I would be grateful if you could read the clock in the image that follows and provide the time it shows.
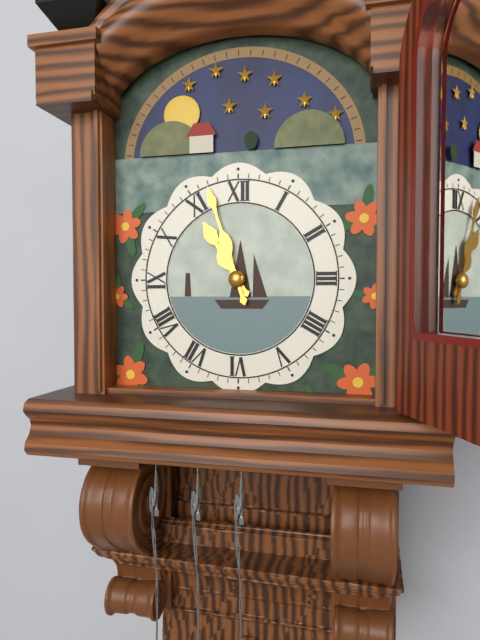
10:57
